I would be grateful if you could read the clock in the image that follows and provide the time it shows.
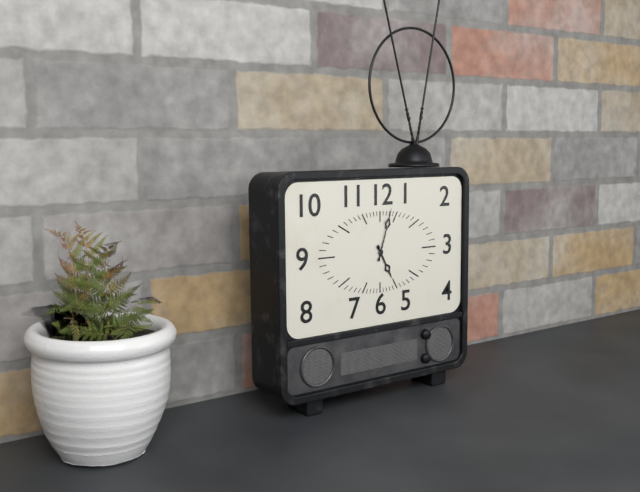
5:03
